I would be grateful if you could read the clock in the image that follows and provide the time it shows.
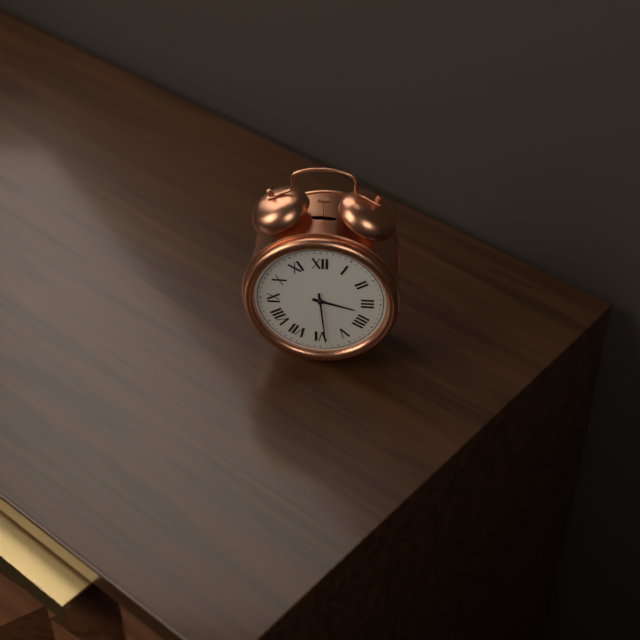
3:29
